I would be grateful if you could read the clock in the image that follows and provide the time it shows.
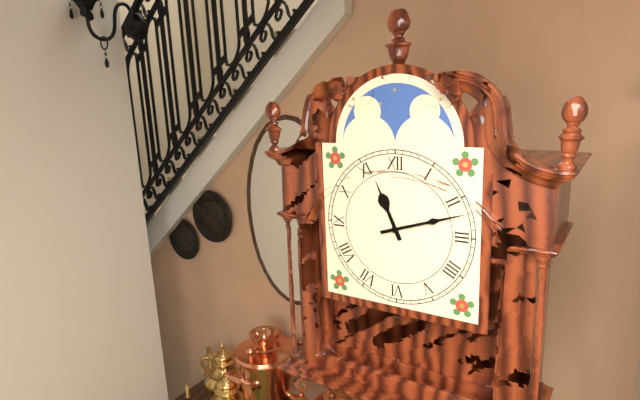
11:12
